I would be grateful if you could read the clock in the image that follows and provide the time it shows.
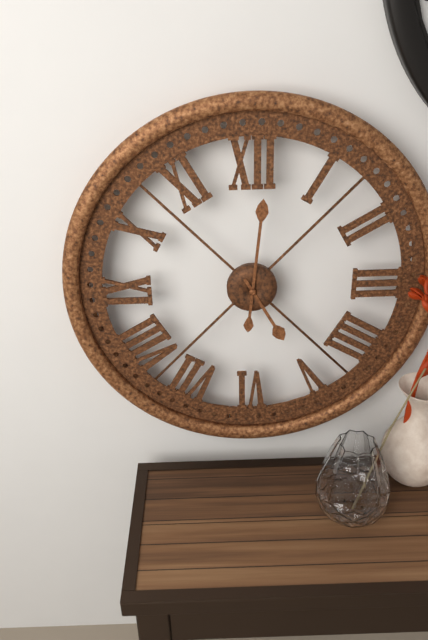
5:01
